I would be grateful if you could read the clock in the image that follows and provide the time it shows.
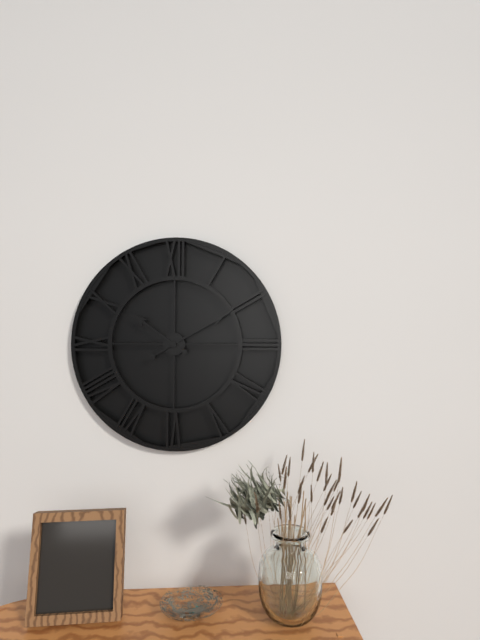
10:10
